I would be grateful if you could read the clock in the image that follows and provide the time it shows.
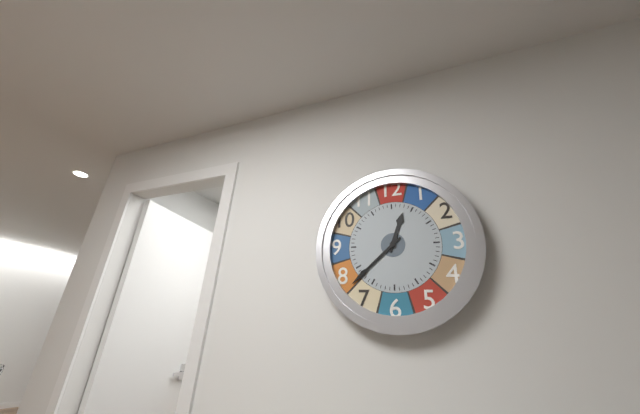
12:38
